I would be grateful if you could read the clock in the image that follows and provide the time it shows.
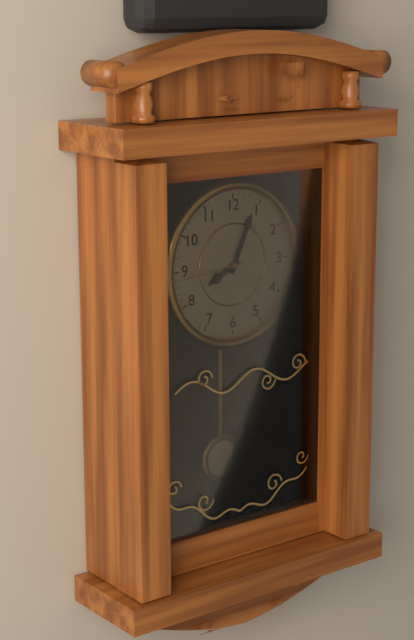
8:04:44
